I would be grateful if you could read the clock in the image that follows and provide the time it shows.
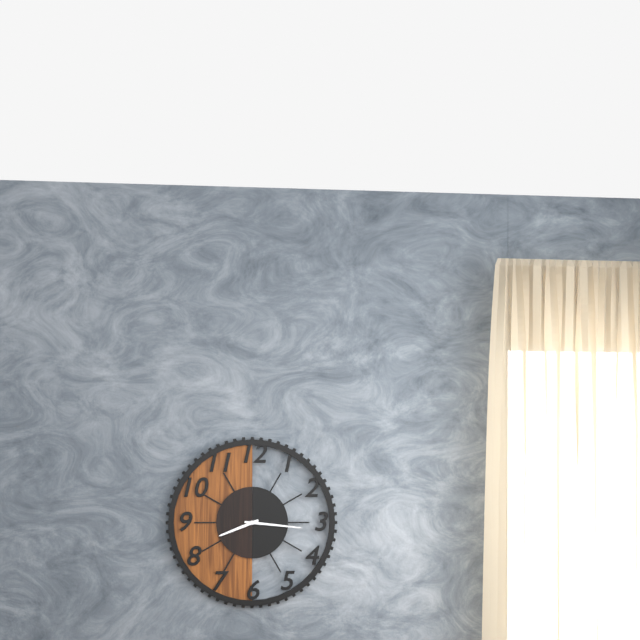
8:16
